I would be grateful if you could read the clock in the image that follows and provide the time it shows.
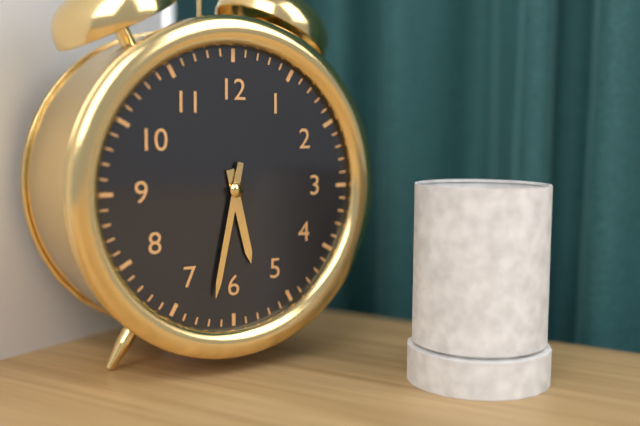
5:32
